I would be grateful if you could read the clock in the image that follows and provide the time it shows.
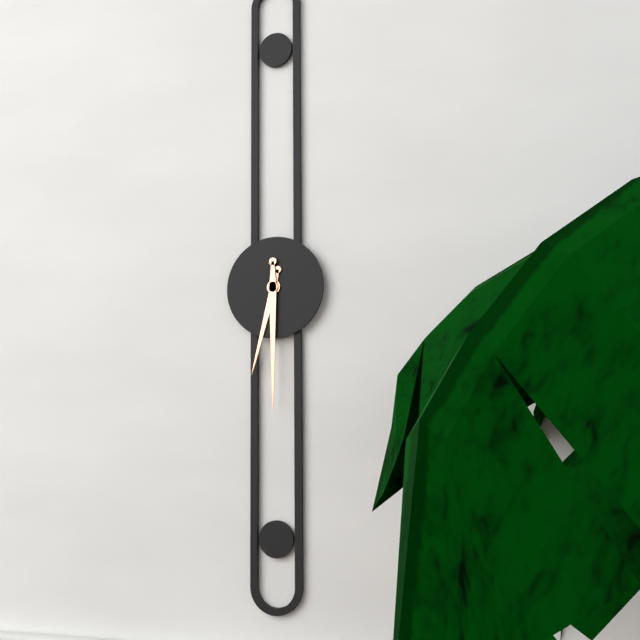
6:30
